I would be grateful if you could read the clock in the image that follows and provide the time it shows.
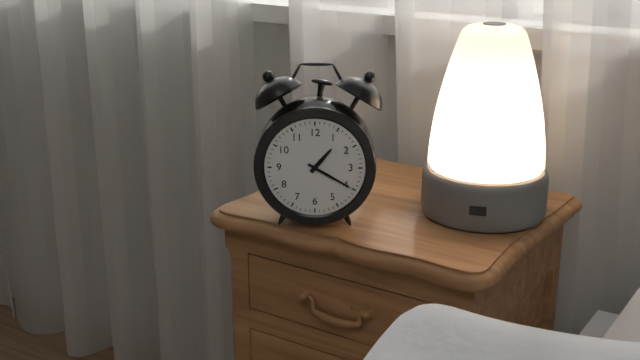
1:20
